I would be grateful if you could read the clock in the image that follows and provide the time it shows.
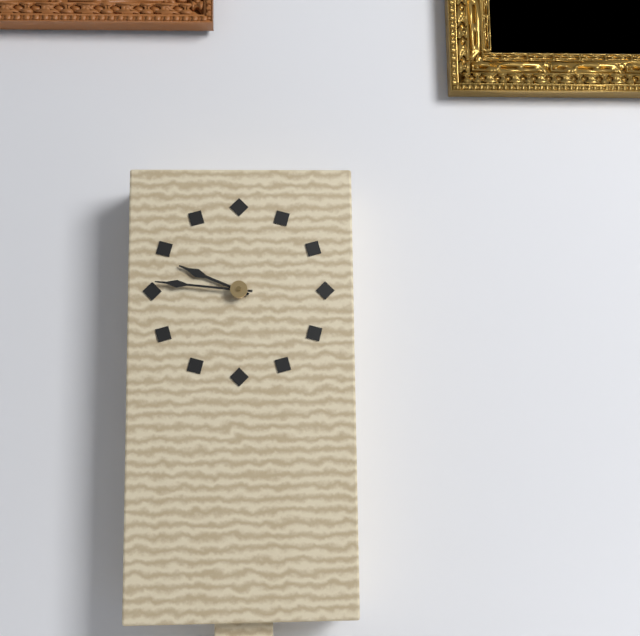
9:46
